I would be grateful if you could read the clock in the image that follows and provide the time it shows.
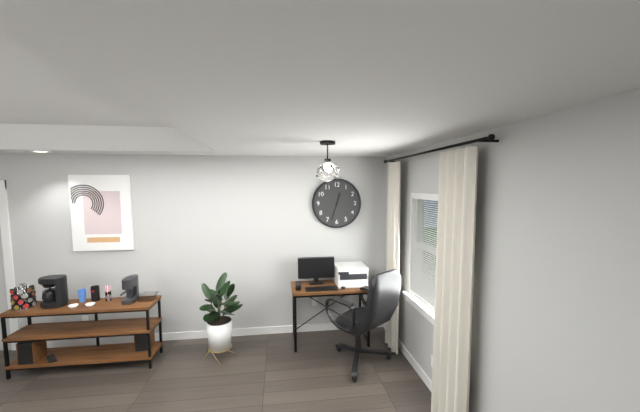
12:33
